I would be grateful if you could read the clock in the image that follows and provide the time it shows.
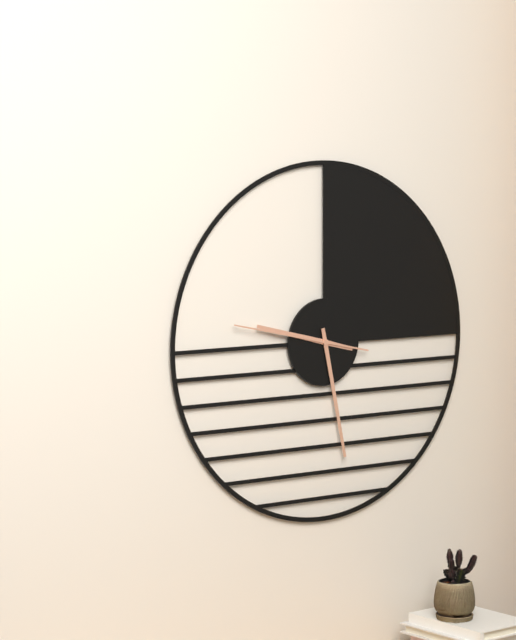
9:28:47
